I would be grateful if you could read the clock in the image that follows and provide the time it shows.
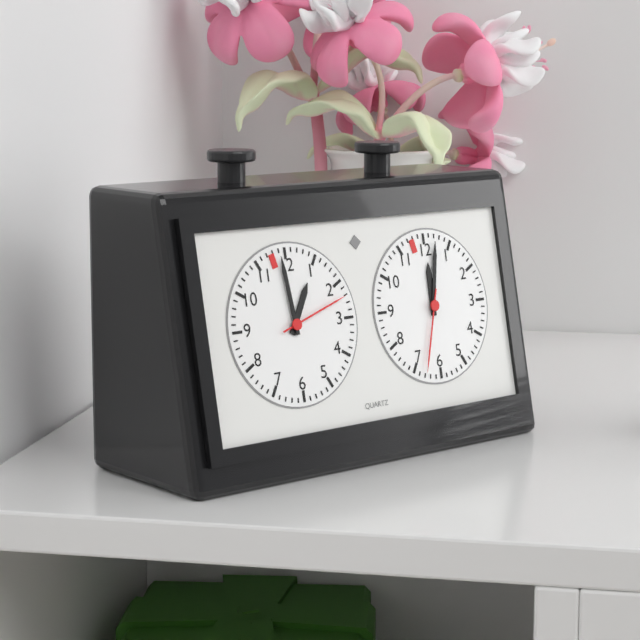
12:59:12
